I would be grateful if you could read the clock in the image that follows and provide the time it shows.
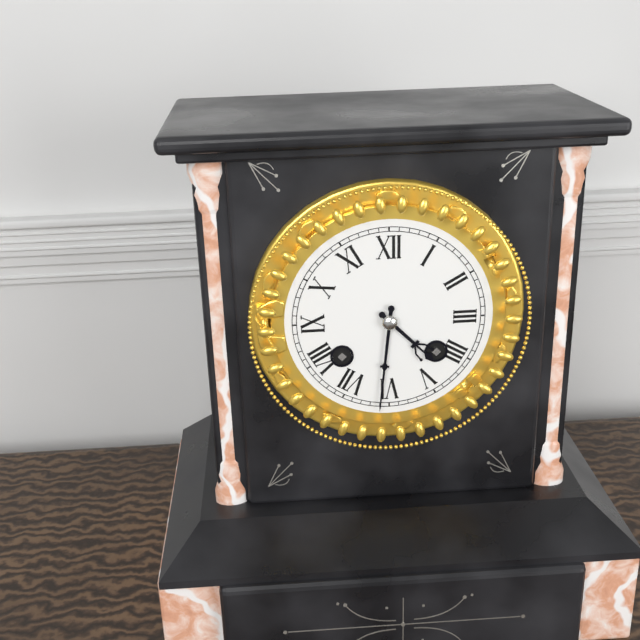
4:31
